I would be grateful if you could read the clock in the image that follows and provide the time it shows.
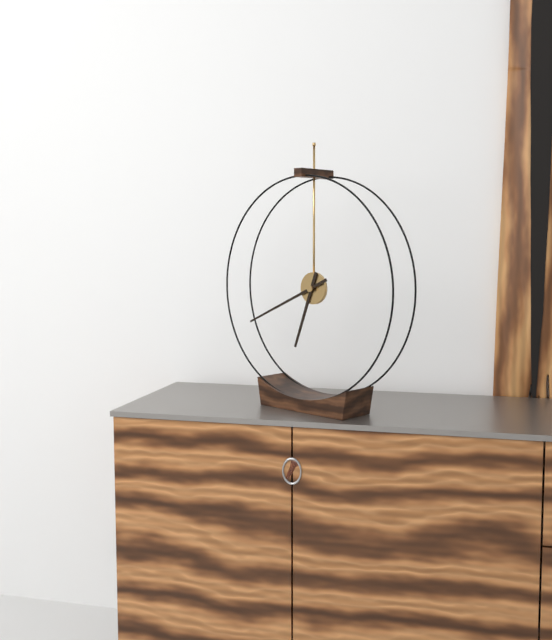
6:41
